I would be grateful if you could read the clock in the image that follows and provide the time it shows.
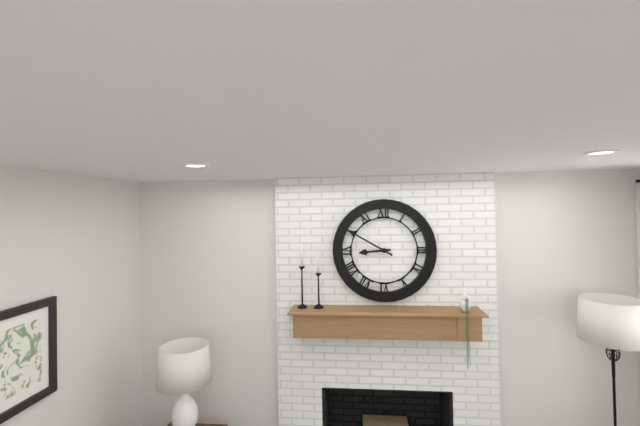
8:50
